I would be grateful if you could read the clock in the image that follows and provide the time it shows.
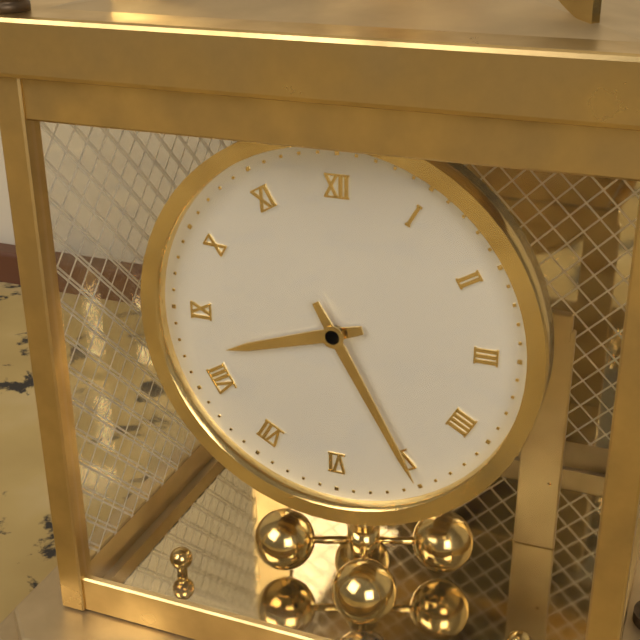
8:25
